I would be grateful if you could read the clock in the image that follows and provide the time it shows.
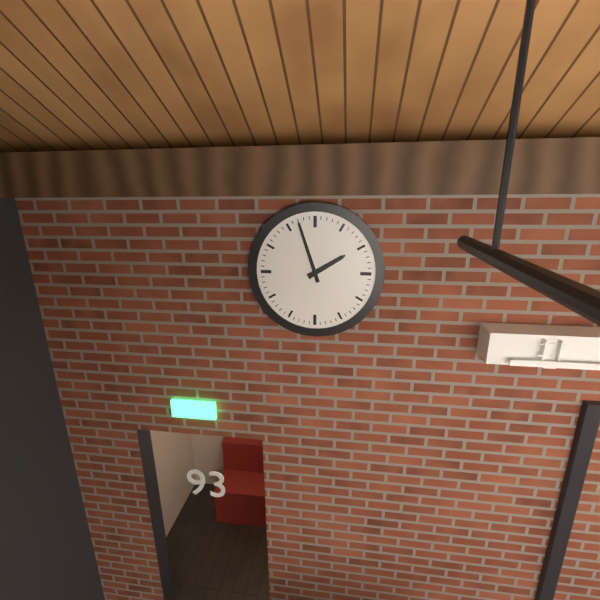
1:57
